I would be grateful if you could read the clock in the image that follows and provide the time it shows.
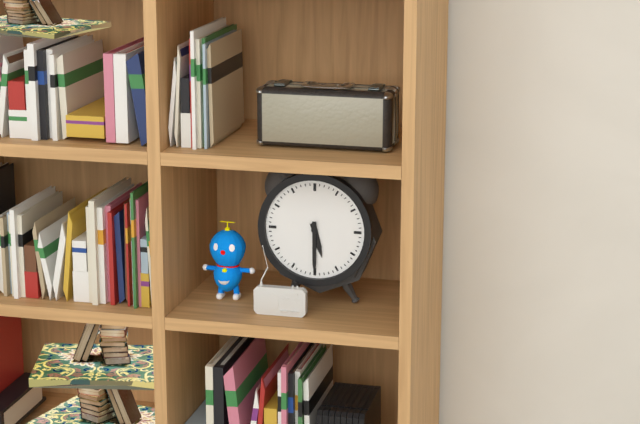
5:30
